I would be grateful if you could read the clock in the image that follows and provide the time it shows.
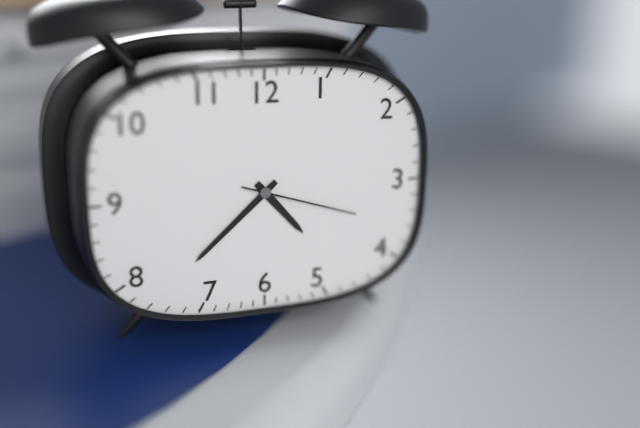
4:38:18
